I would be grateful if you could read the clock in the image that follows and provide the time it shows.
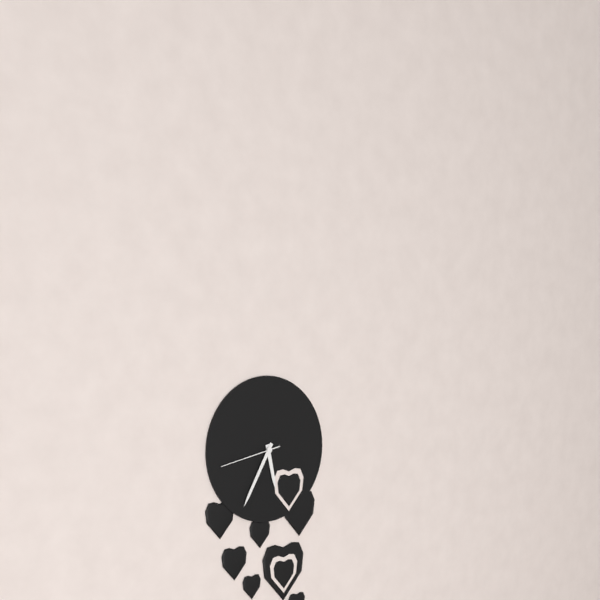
5:35:43
